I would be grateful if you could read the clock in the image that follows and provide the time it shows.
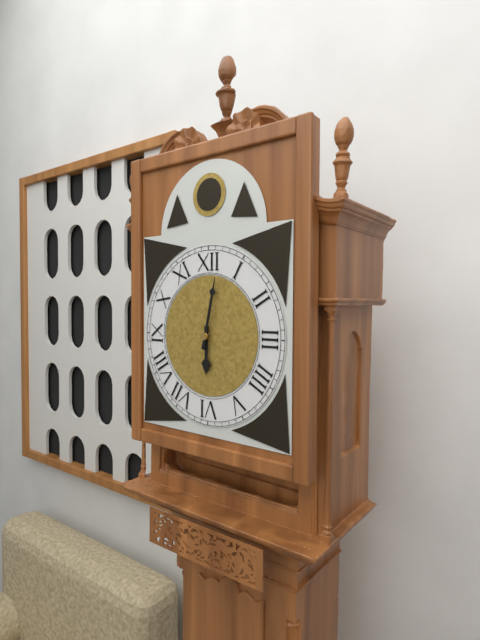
6:02
